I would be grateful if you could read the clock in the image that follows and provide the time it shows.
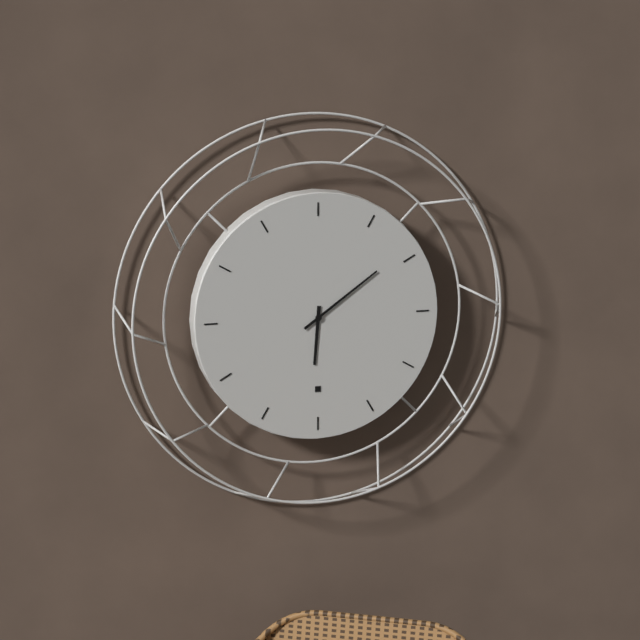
6:09
